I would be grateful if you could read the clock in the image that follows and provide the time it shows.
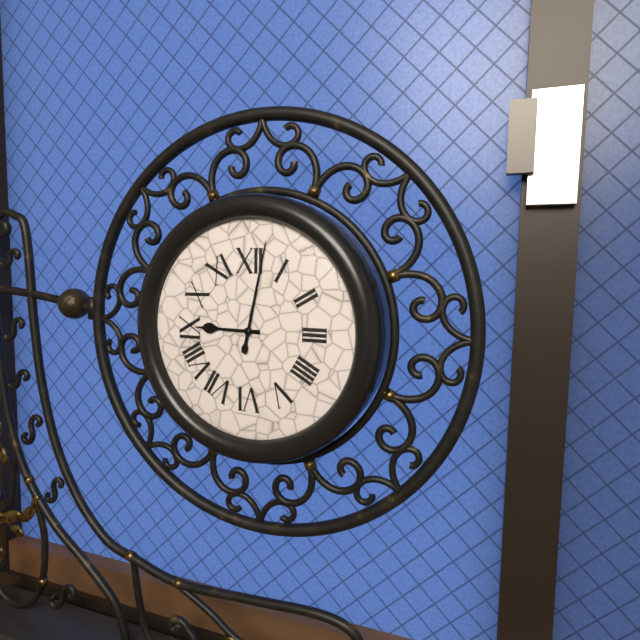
9:02
